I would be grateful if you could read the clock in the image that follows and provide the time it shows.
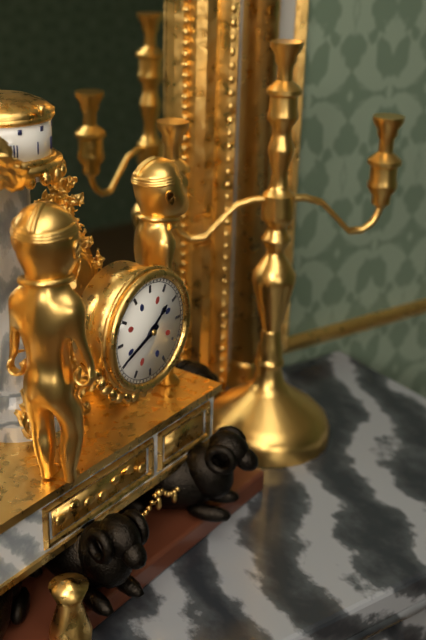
1:41
